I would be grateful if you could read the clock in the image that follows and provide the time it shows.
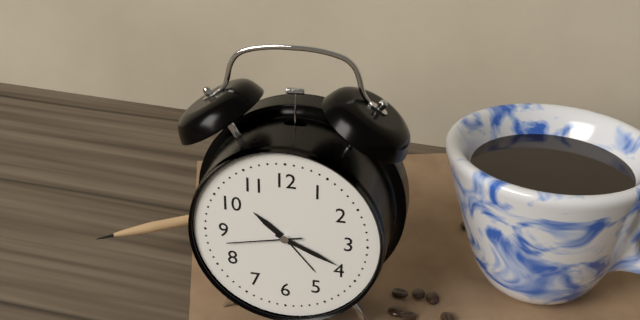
10:19:43
